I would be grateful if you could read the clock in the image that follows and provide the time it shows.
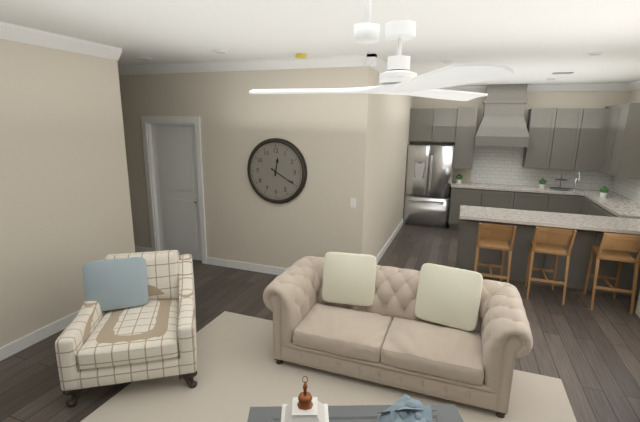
12:20
